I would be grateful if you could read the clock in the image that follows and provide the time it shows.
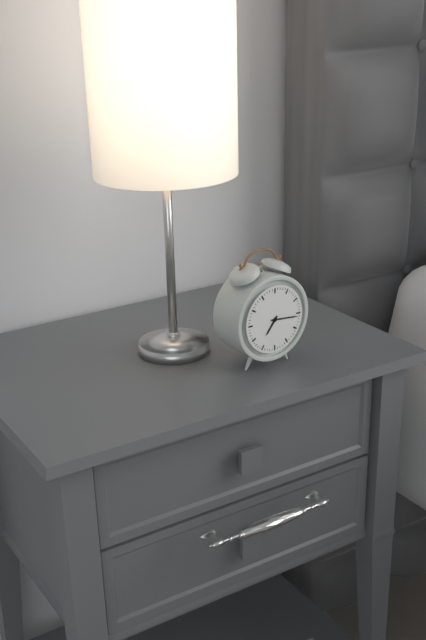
7:16
